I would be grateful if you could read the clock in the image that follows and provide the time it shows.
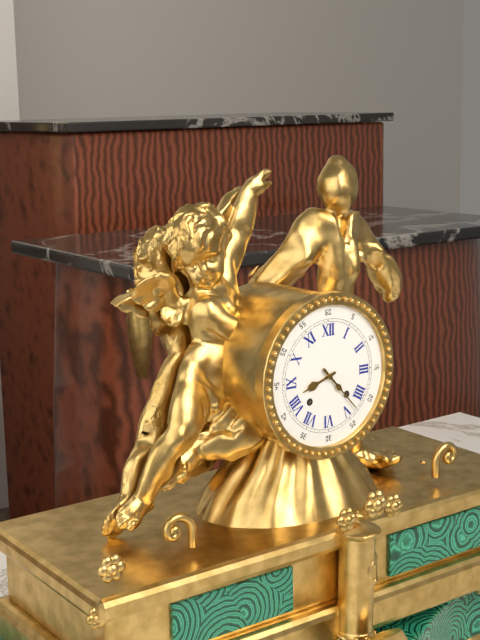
8:23
